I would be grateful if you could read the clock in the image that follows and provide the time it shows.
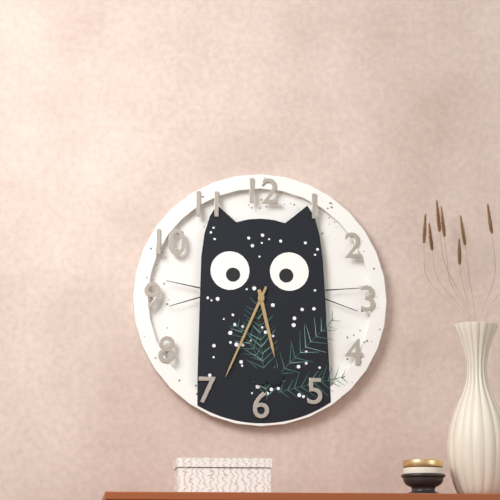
5:34
